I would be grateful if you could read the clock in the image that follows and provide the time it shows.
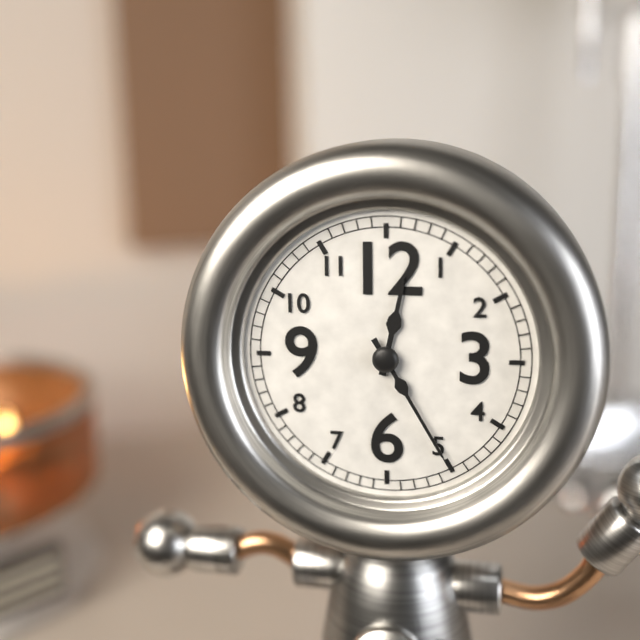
12:25
